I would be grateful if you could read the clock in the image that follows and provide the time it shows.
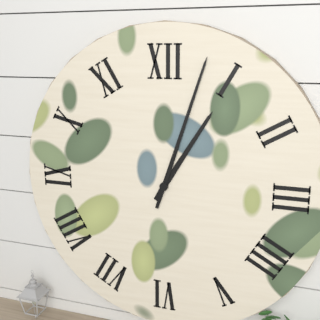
1:03
